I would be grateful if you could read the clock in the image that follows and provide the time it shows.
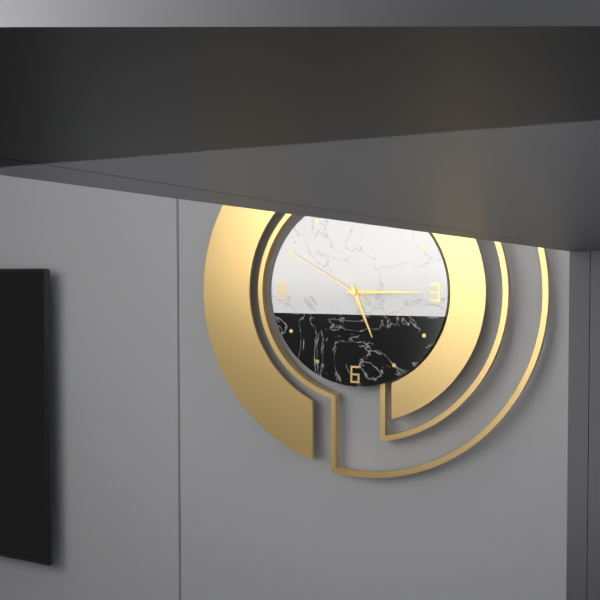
5:15:50
